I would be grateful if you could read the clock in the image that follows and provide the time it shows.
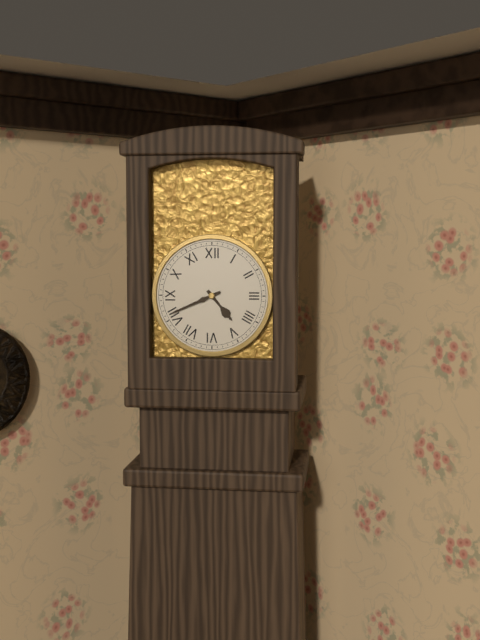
4:41
